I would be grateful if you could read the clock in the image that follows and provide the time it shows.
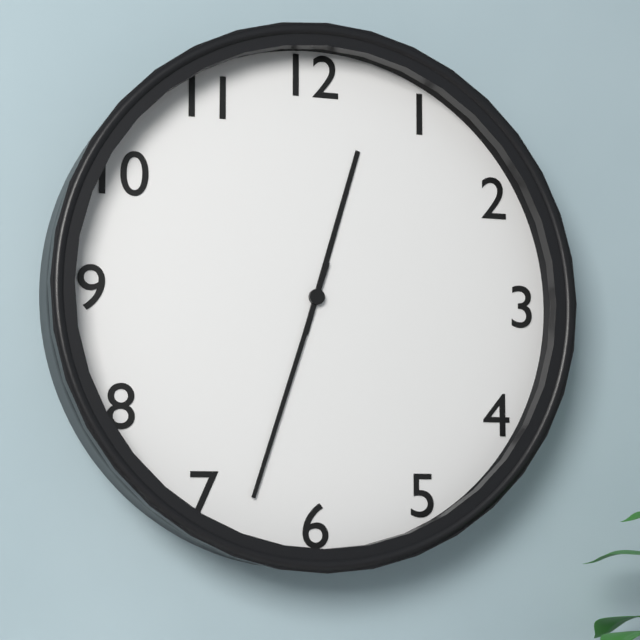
12:33
